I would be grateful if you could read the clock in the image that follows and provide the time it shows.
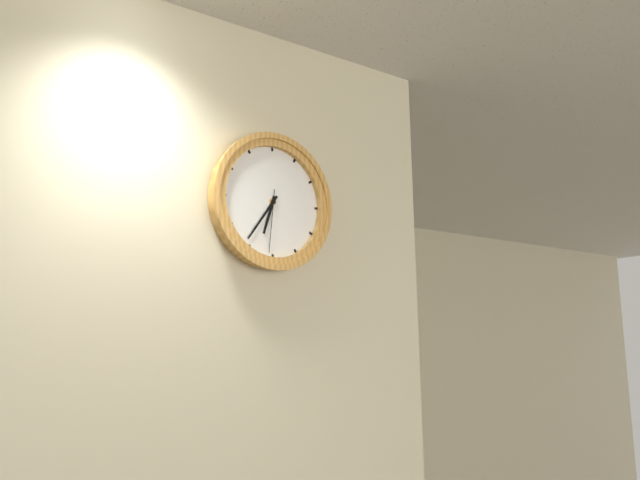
6:36:31
